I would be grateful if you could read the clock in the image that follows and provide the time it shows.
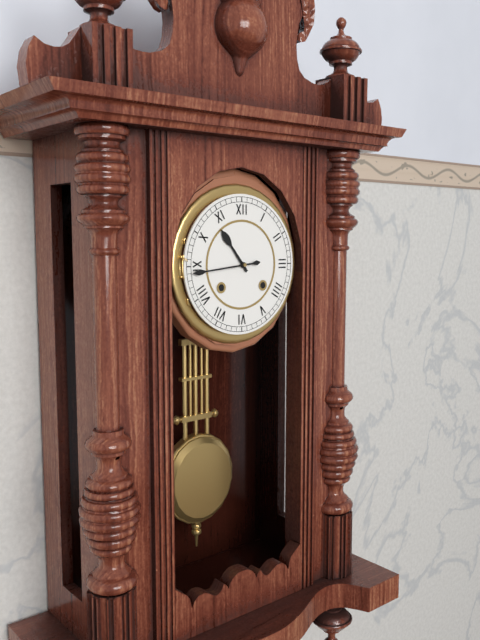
10:44
